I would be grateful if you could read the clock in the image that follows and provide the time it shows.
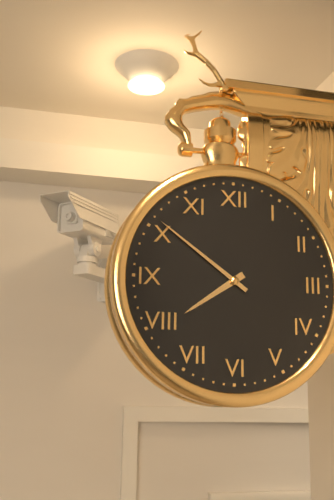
7:51
